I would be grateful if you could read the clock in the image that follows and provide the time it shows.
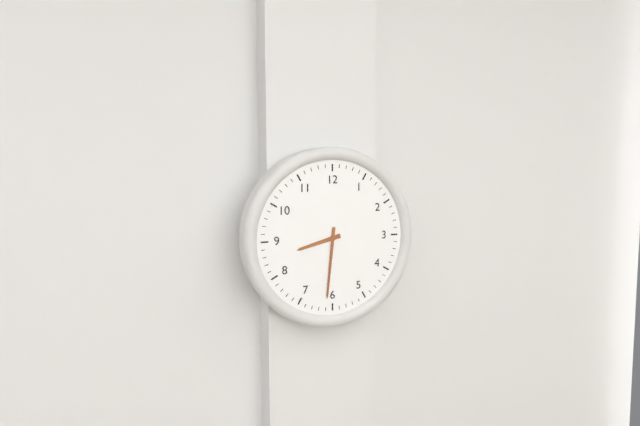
8:31
